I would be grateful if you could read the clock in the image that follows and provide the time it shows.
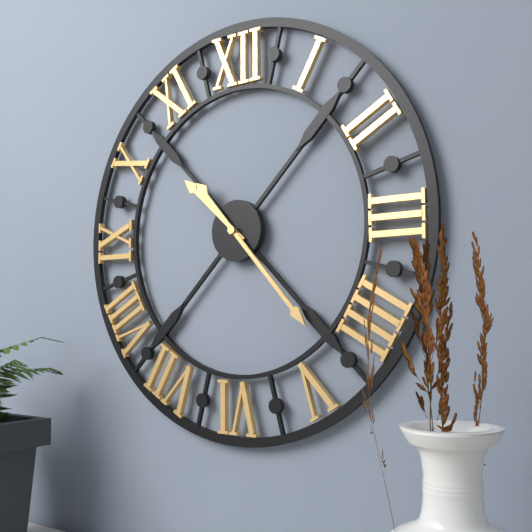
10:23
